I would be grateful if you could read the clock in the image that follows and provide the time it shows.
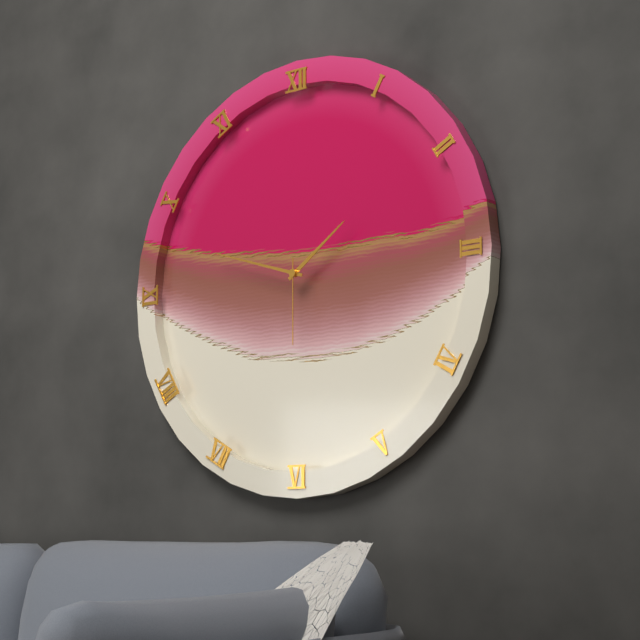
1:48:30
